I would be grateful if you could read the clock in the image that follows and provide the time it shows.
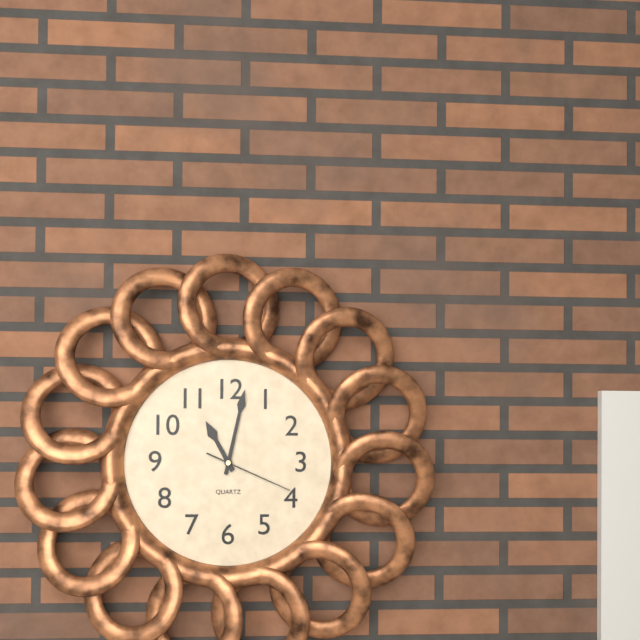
11:02:19
